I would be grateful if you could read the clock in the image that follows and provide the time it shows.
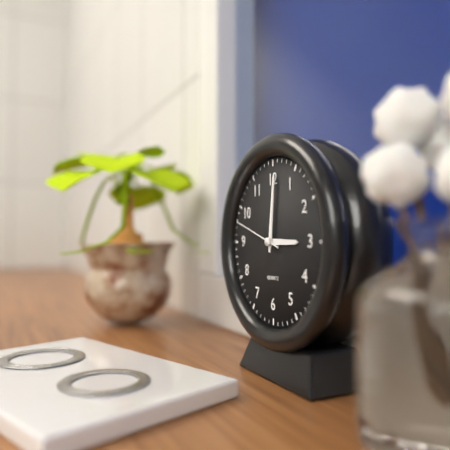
3:01
